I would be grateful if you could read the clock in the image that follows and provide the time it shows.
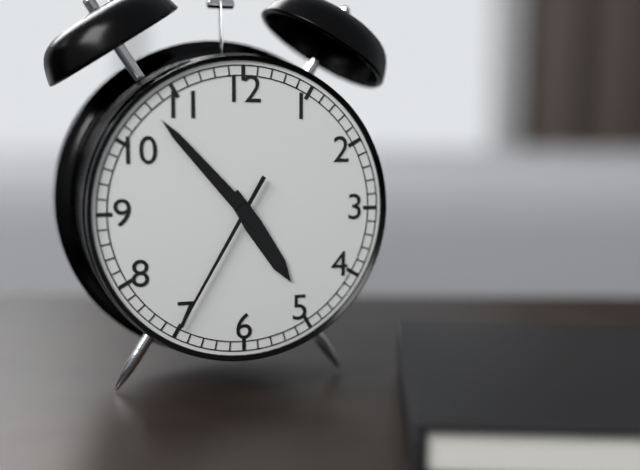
4:53:35
